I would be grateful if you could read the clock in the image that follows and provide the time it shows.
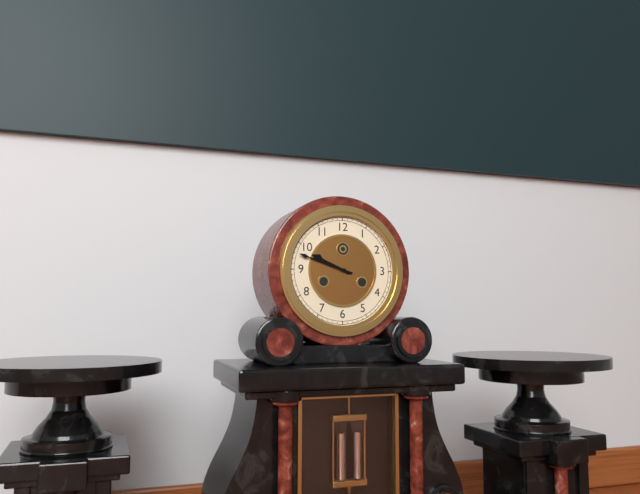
9:48
